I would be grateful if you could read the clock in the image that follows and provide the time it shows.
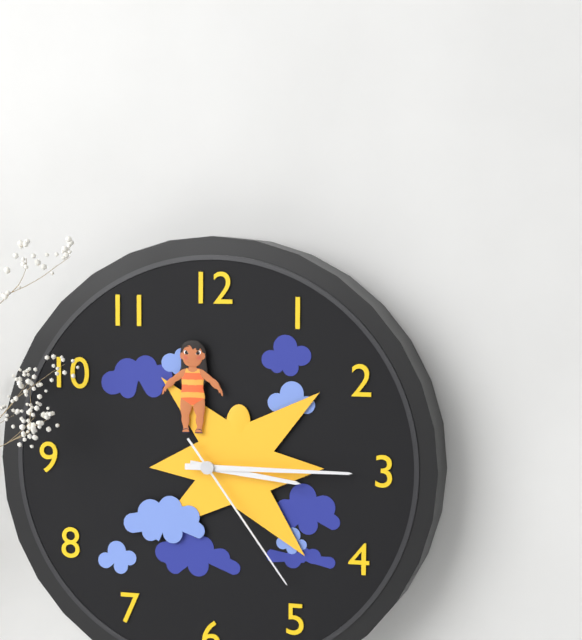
3:15:24
